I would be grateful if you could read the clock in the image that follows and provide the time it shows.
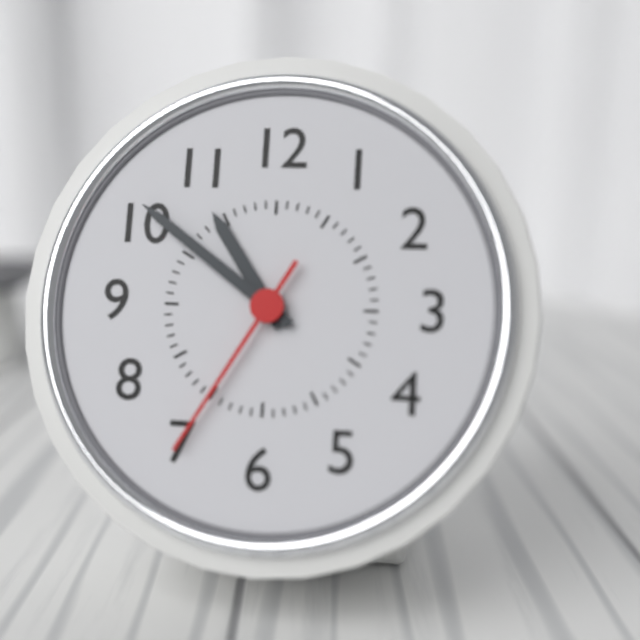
10:51:35
